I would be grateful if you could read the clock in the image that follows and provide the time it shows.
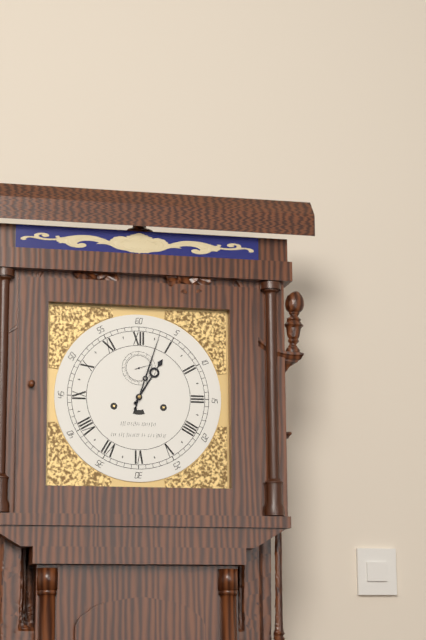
1:03
